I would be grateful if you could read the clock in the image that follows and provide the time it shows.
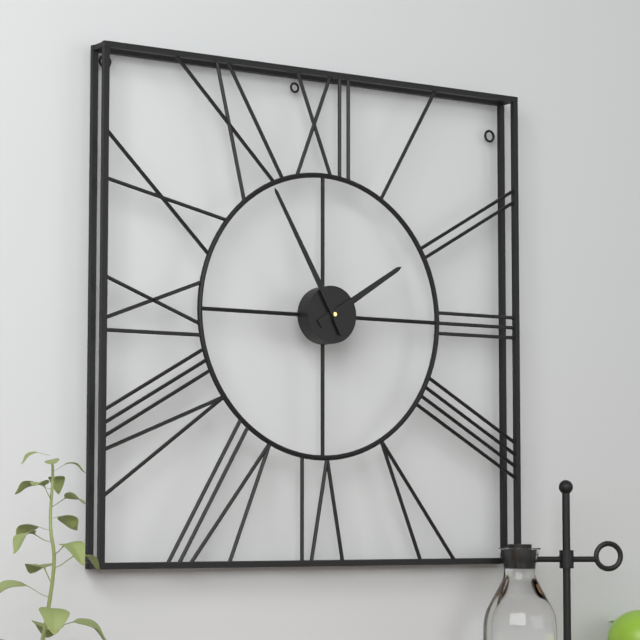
1:55
